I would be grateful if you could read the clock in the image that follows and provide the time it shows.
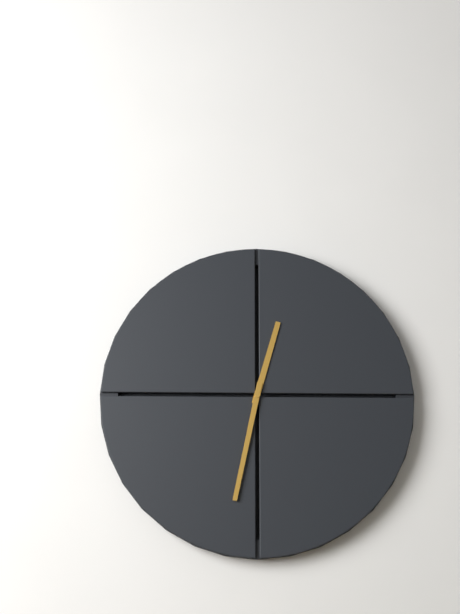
12:32
